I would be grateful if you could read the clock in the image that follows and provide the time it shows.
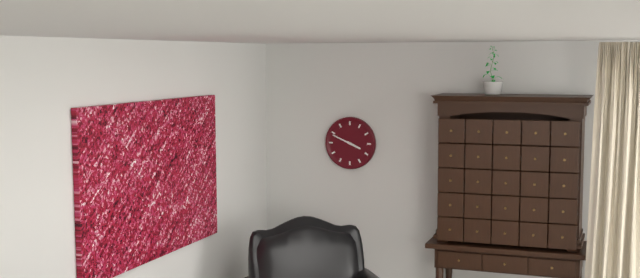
3:49
